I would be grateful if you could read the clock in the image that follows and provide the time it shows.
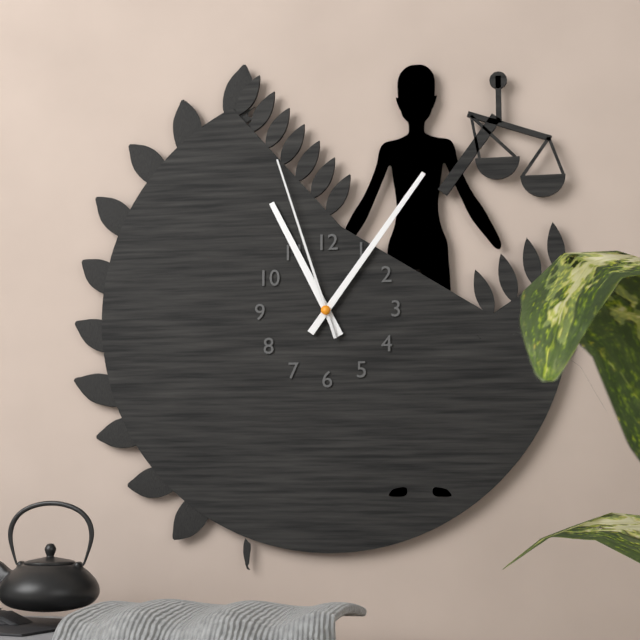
11:06:57
